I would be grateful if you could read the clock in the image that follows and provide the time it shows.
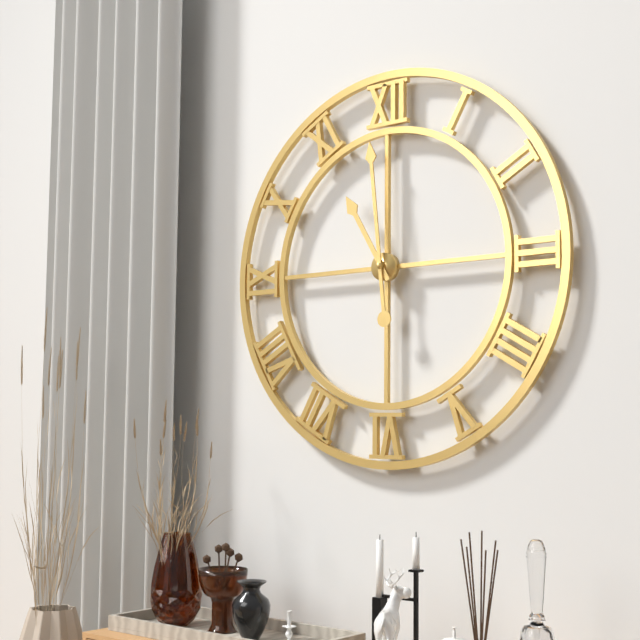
10:59
